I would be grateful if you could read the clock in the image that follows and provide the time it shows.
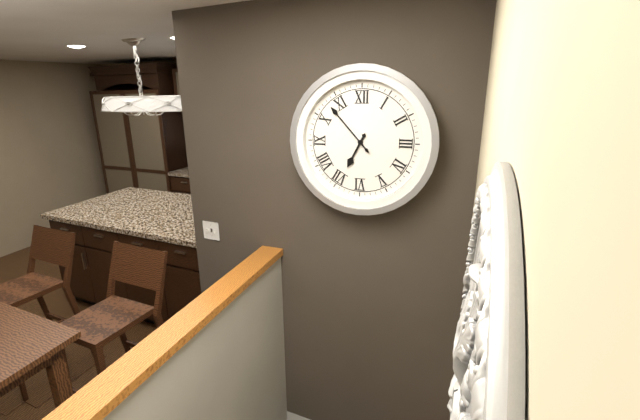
6:53
